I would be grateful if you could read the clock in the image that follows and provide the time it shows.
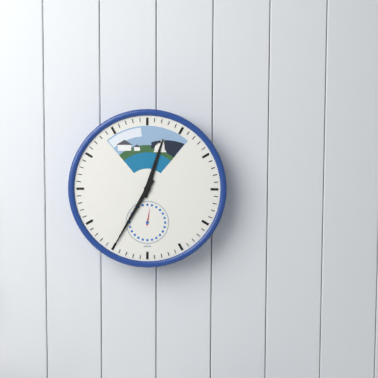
12:35
